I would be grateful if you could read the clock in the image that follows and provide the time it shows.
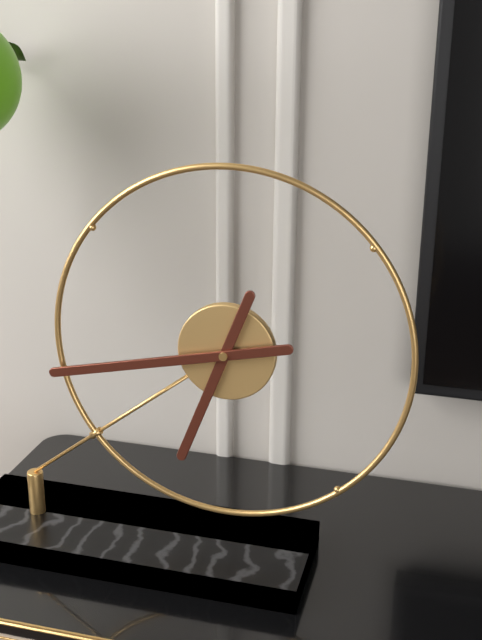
6:43
